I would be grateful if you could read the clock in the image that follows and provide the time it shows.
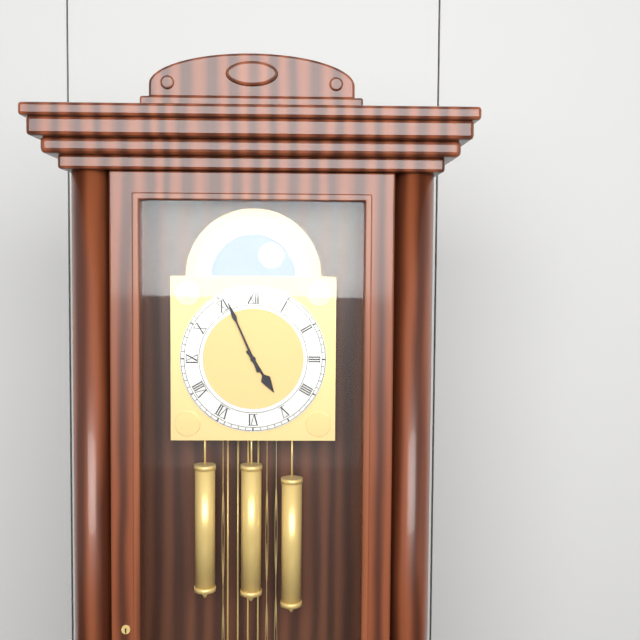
4:56
